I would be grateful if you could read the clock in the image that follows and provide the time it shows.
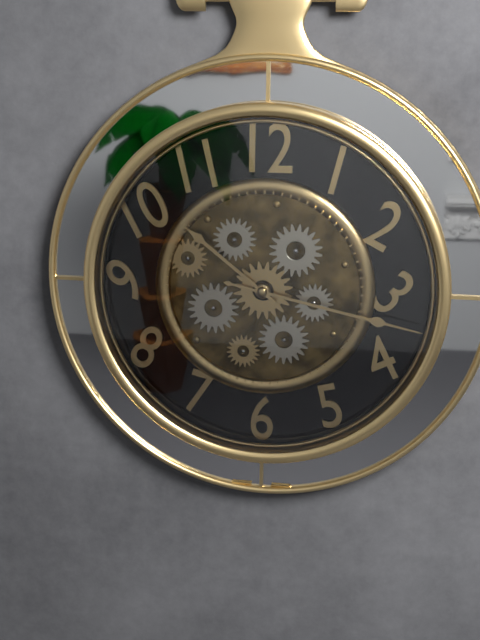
10:17
